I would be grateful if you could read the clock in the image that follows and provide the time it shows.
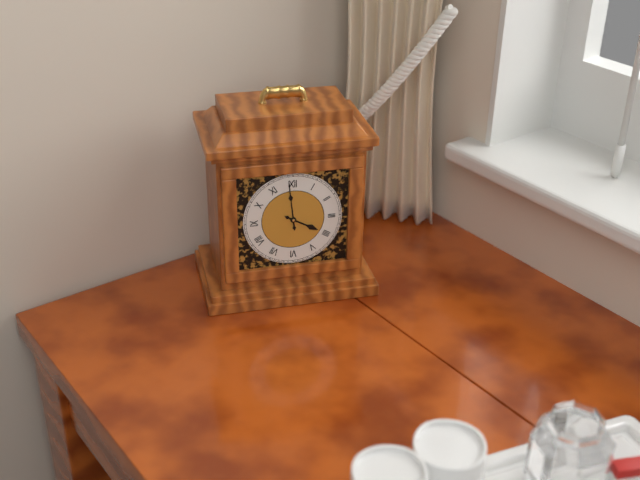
3:59
